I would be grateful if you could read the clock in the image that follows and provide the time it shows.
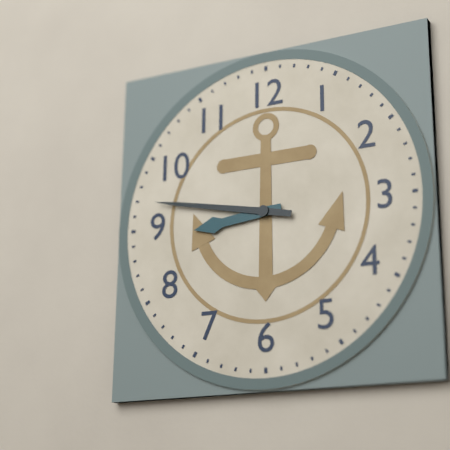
8:47
